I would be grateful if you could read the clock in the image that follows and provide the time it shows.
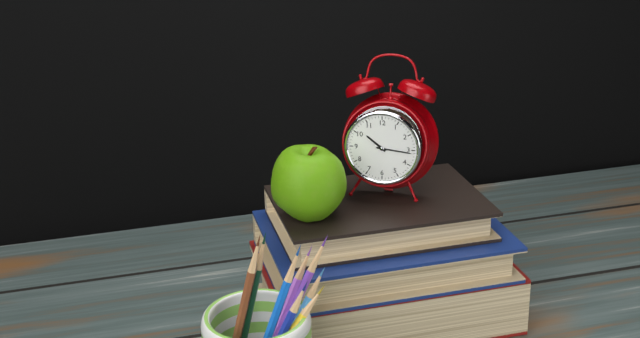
10:16
